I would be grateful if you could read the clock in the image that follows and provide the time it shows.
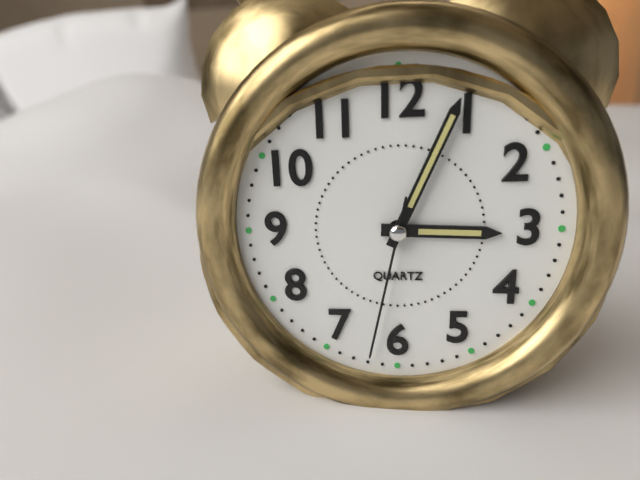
3:04:32
